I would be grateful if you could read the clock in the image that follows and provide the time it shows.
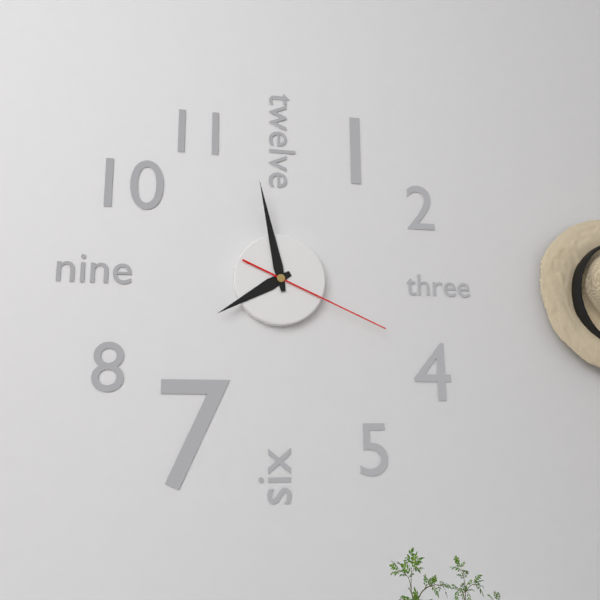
7:58:19
